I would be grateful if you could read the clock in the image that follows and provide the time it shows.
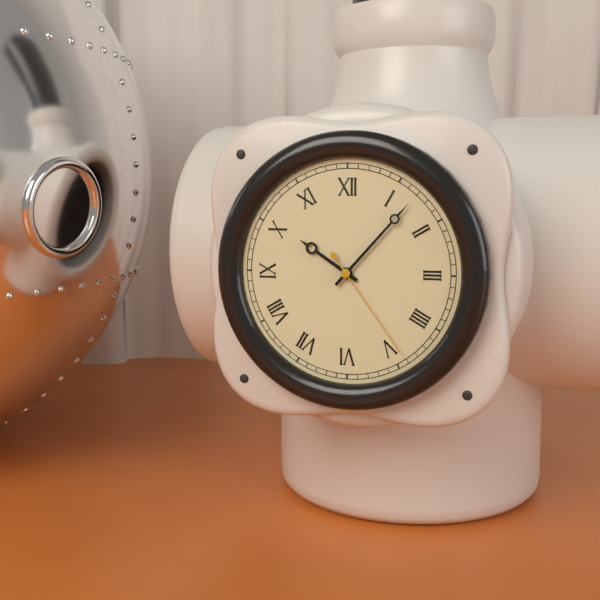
10:07:24
